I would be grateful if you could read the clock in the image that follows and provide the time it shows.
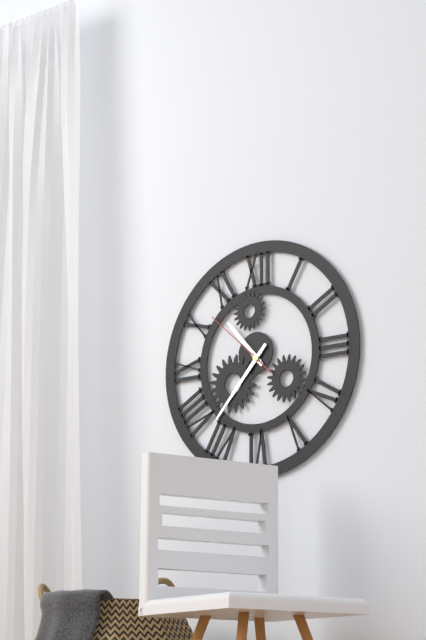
10:37:52
